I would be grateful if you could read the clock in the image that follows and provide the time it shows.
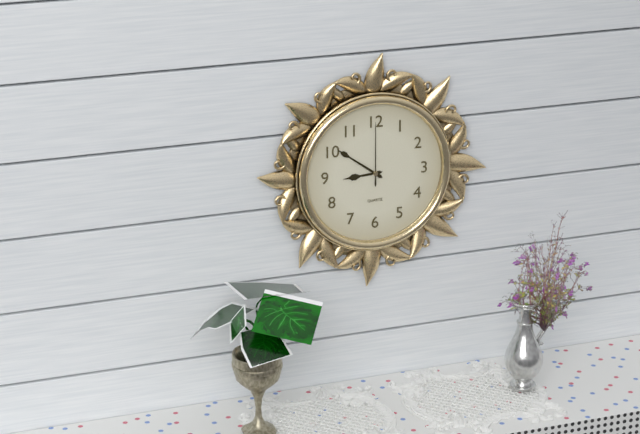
8:51:00
